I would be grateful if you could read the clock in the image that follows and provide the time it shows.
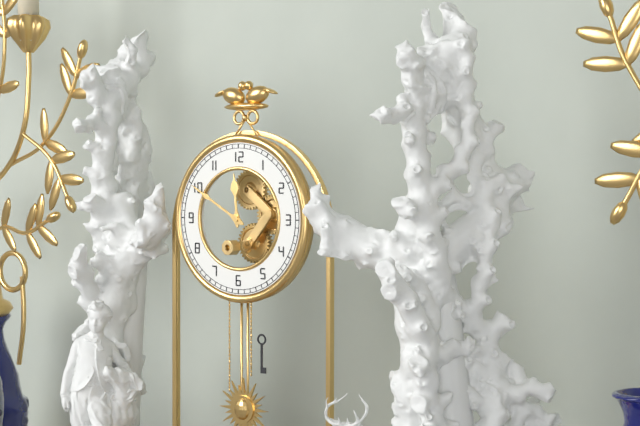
11:50
